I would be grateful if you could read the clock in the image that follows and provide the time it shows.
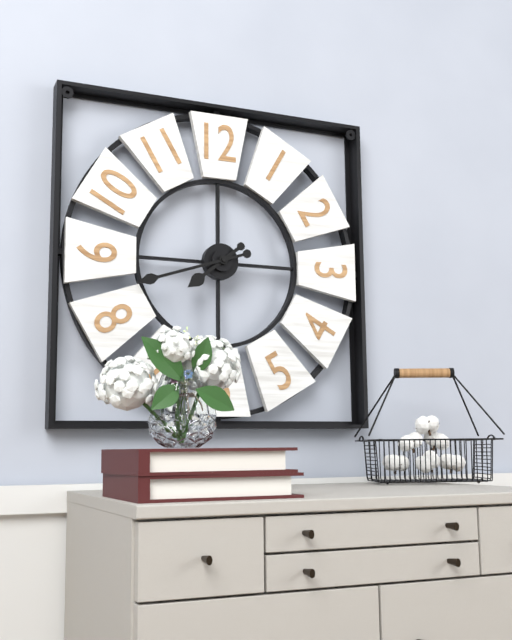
7:42
